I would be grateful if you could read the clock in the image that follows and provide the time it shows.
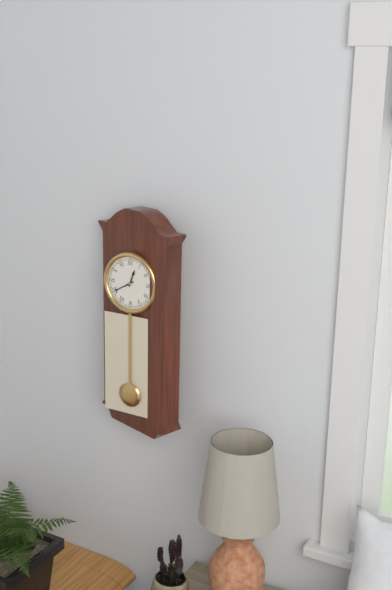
12:40
